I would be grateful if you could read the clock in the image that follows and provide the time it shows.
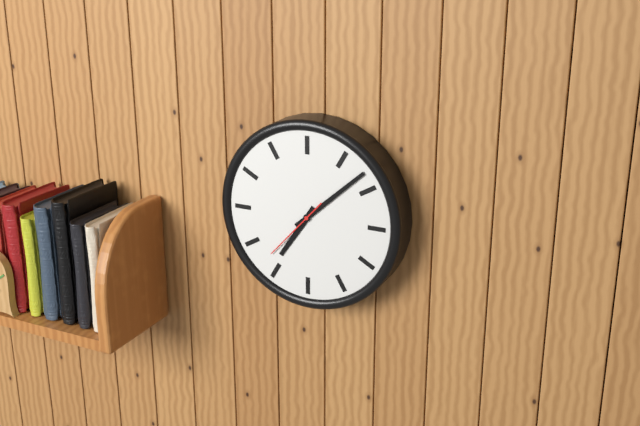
7:08:37
